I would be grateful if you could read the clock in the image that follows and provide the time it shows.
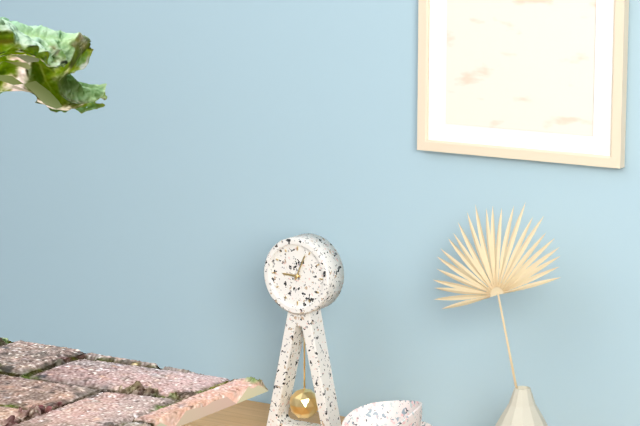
9:04
